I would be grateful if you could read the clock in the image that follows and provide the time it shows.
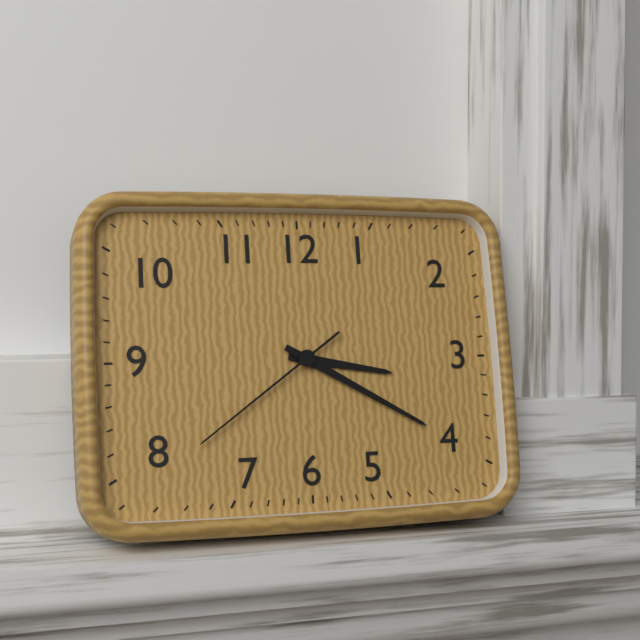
3:20:39
